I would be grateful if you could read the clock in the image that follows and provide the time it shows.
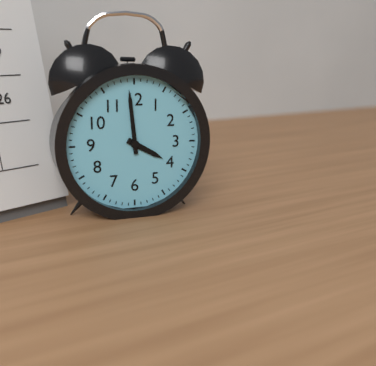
3:59
